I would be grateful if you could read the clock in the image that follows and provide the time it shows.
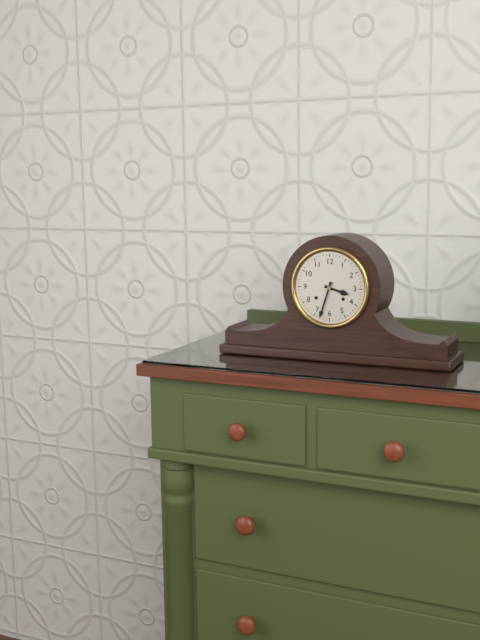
3:33
